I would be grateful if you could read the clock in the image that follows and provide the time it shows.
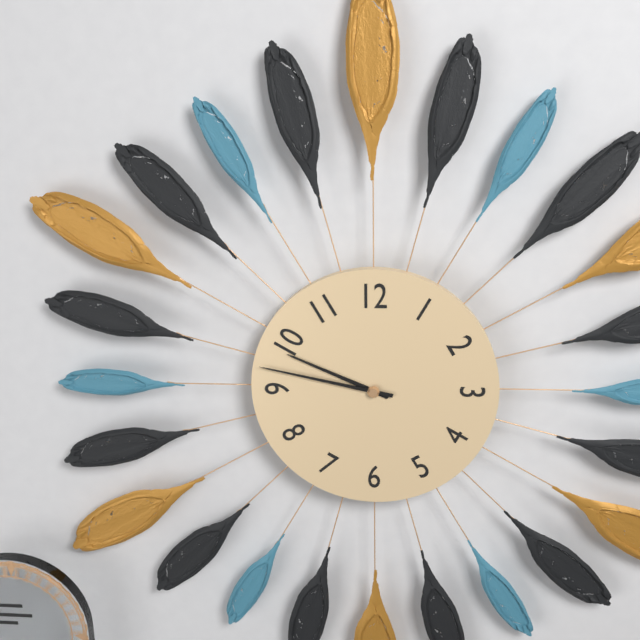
9:47
